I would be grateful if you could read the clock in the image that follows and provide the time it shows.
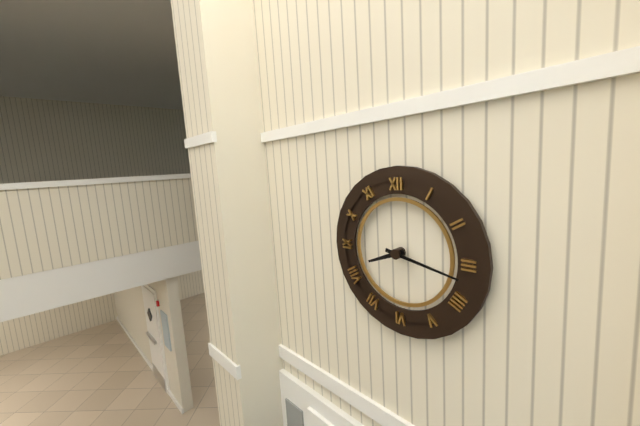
8:17
